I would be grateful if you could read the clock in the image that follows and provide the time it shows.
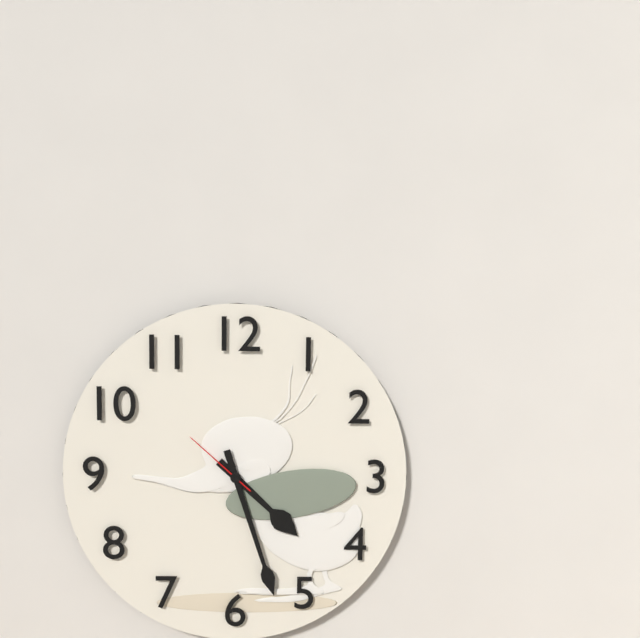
4:27:52
